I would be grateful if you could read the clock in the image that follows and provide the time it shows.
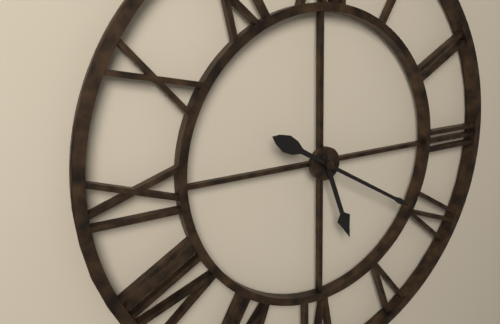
5:20
